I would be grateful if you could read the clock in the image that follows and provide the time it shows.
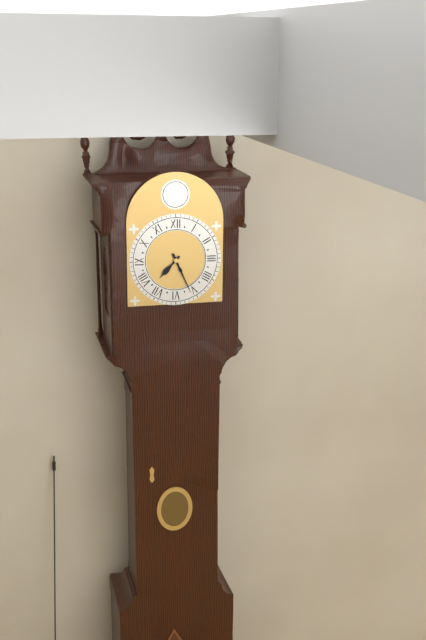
7:26
